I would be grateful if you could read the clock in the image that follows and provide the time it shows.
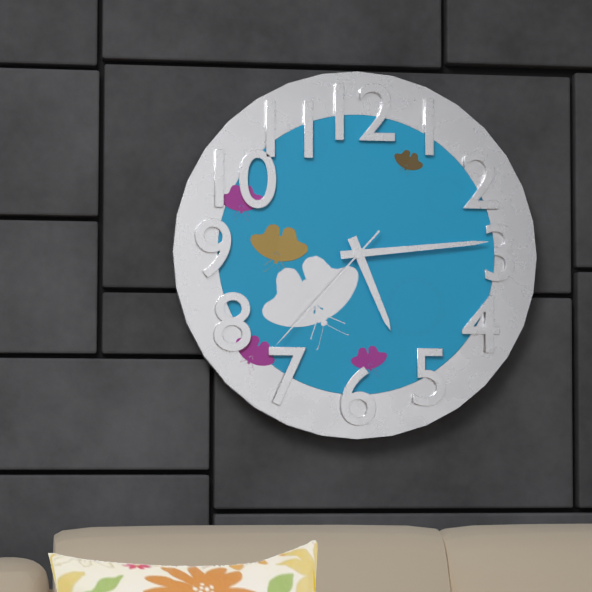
5:14:37
